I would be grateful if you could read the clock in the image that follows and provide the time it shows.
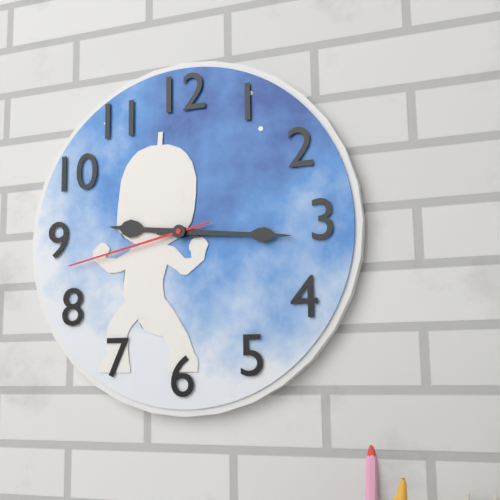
9:16:43
